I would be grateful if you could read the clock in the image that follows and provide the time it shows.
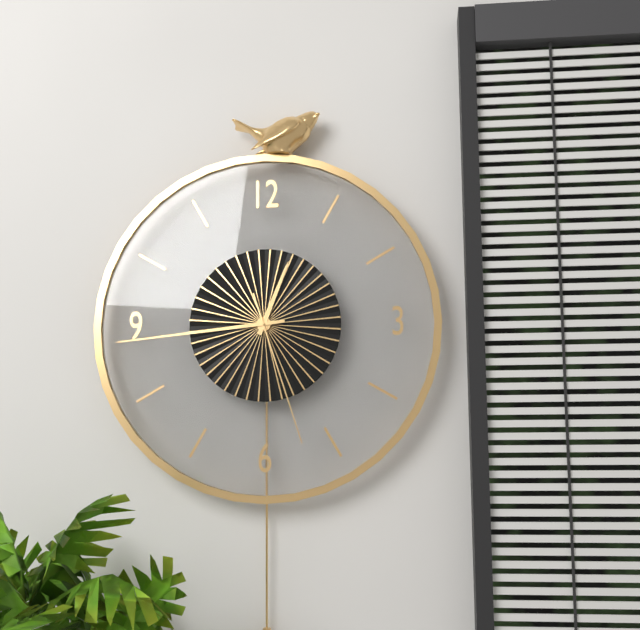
12:44:27
